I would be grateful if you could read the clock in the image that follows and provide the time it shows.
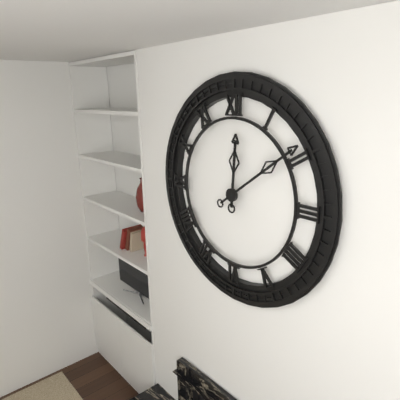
12:09
